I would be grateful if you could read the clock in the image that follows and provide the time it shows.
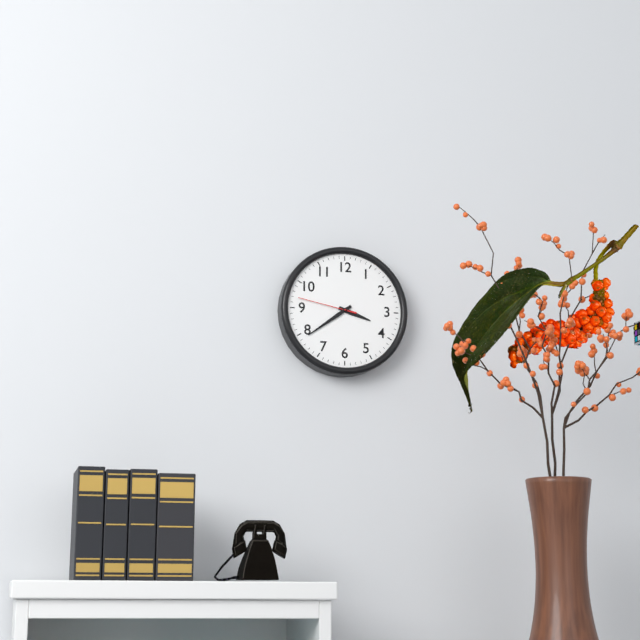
3:39:47
